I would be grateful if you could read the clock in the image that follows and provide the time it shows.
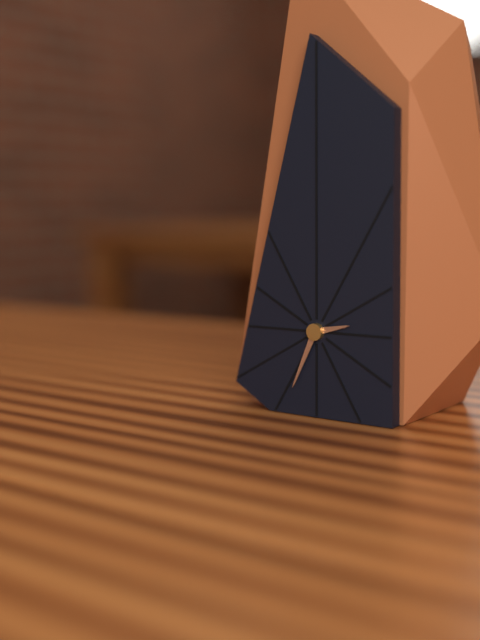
2:34
